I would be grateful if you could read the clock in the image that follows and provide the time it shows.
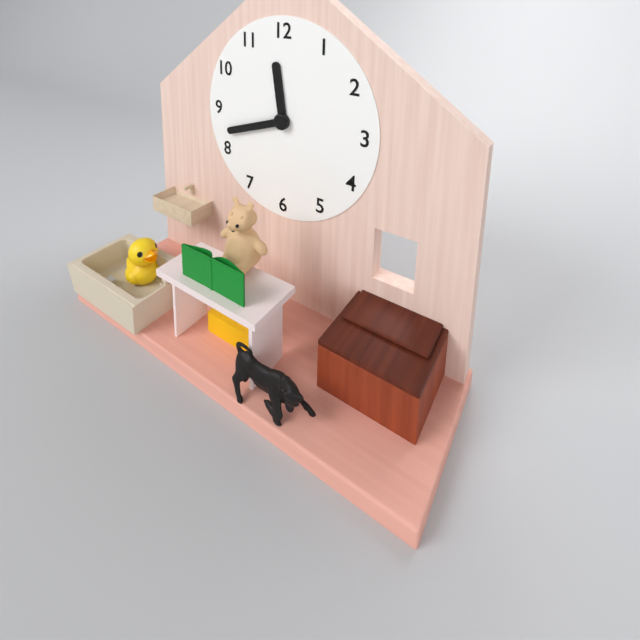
11:42
